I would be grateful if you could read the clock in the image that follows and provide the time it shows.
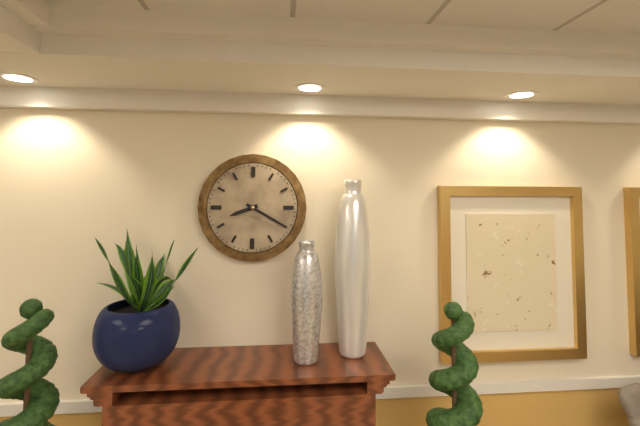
8:20
